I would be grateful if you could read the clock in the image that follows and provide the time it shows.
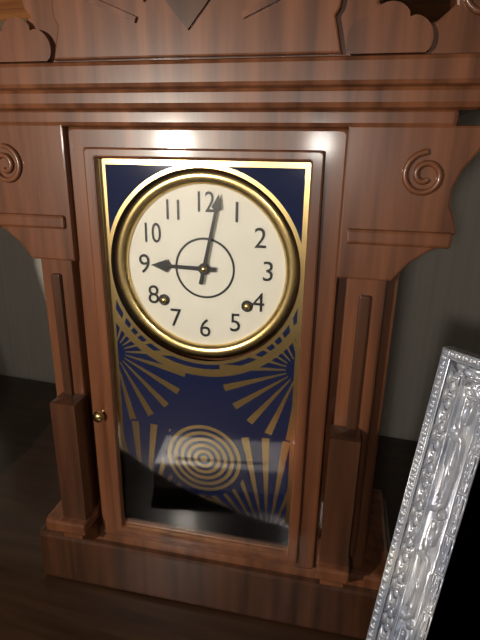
9:02
